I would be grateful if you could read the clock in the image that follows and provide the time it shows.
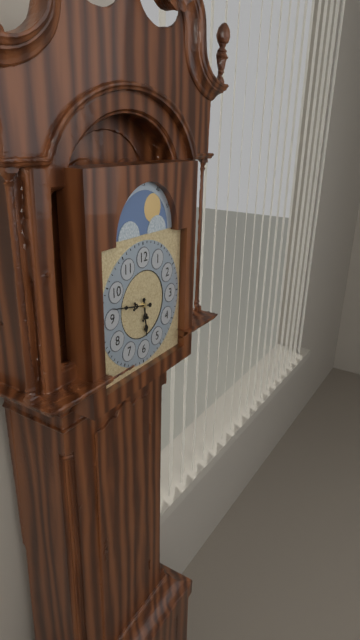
5:47
